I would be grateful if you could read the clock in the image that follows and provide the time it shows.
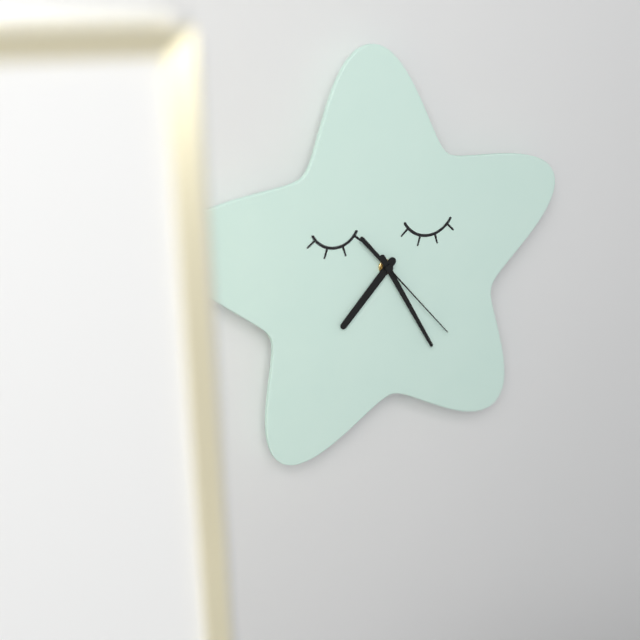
7:25:23
